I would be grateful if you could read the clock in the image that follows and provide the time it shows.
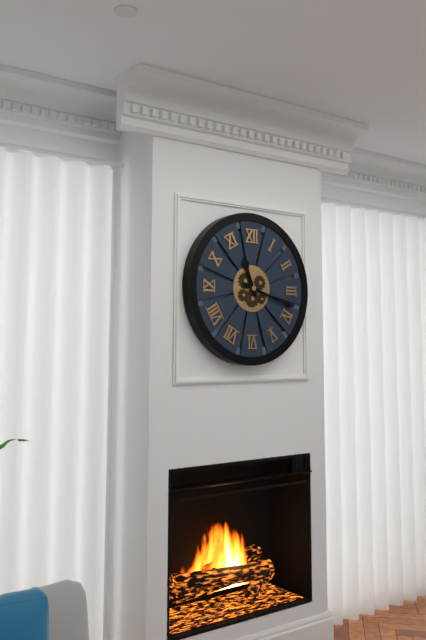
11:18
